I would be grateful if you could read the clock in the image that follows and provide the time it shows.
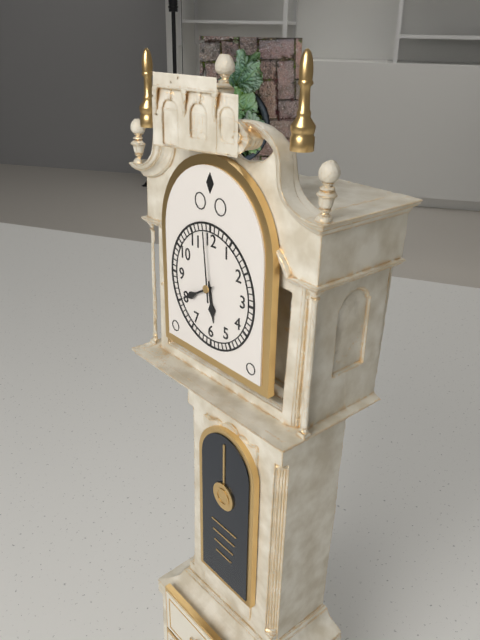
5:40:59
